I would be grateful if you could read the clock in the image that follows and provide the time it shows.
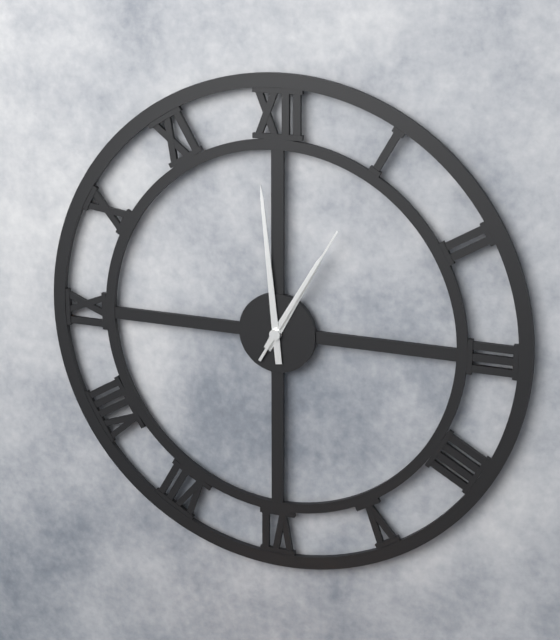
12:59:05
